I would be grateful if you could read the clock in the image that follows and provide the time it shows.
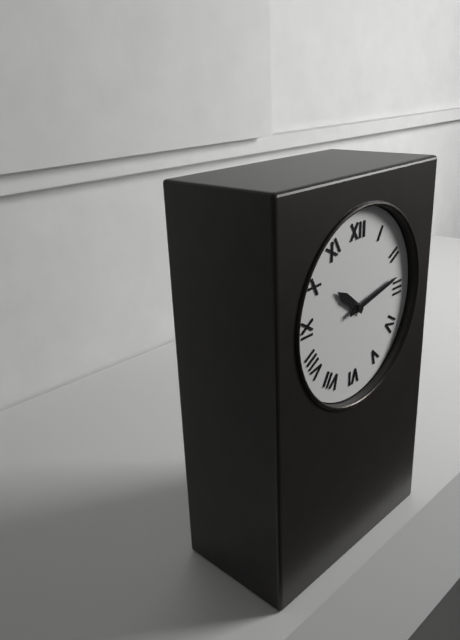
10:13
